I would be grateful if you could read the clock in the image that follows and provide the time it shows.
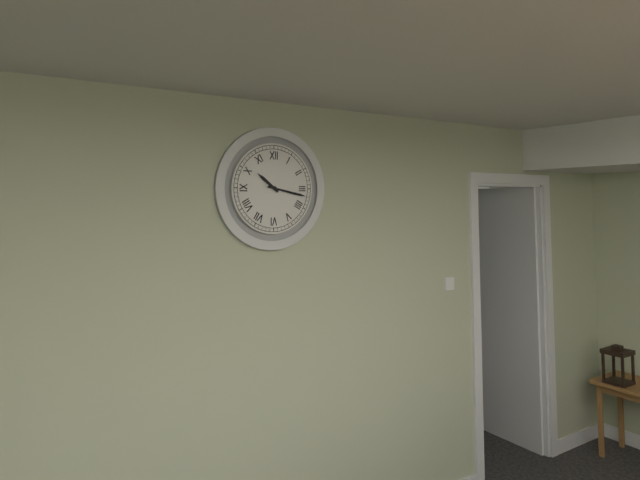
10:17
